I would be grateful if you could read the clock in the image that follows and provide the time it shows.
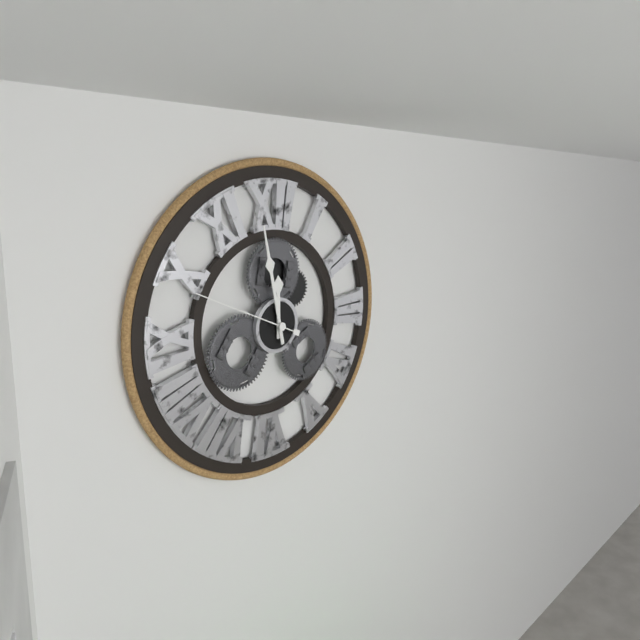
11:58:49
